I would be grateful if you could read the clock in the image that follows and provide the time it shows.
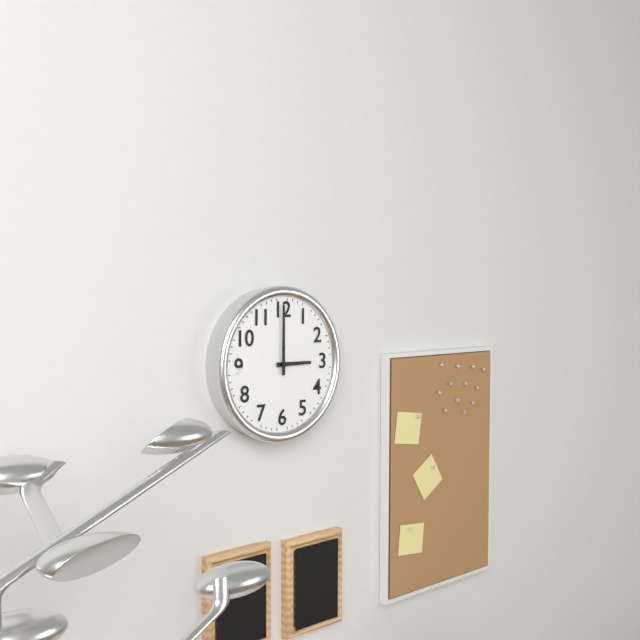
3:00
